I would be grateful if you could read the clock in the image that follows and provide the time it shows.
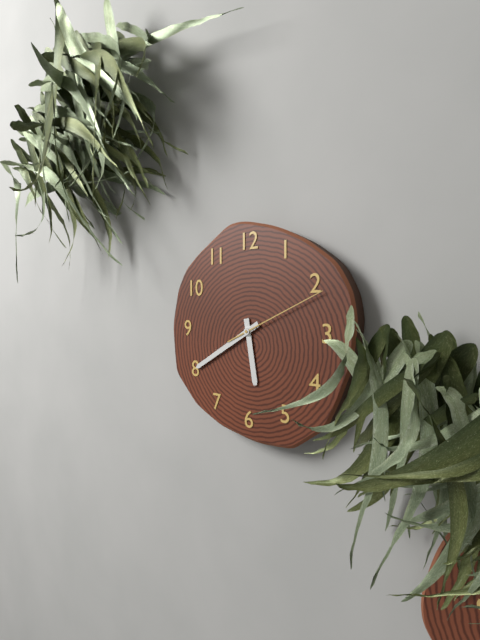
5:40:11
